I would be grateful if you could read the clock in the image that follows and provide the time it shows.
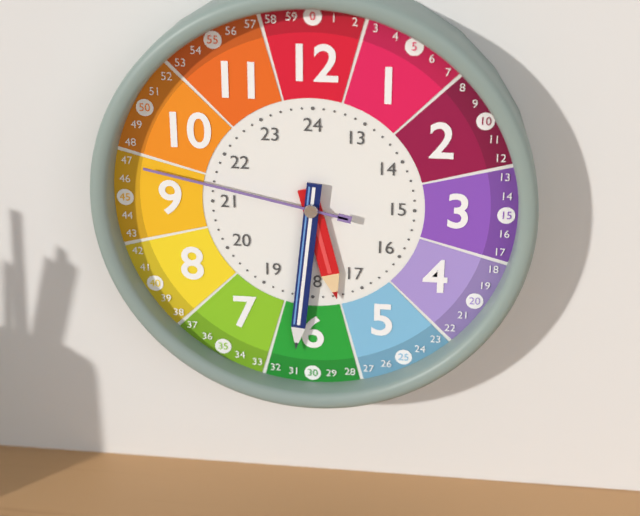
5:31:47
